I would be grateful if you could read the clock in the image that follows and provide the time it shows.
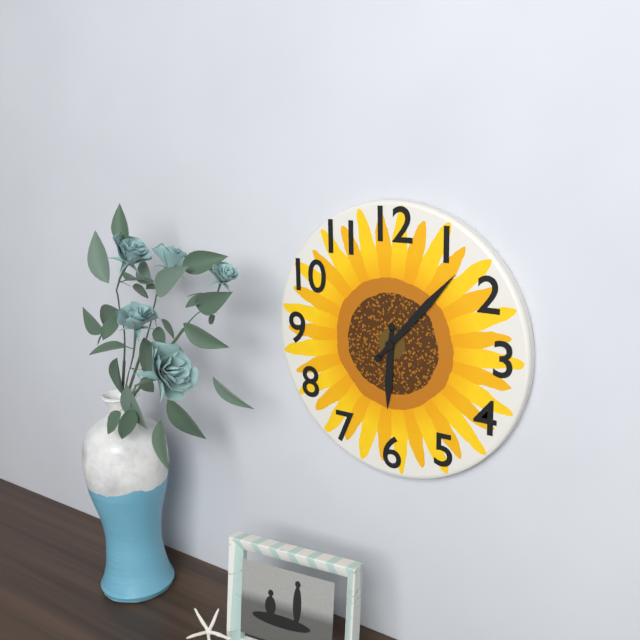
6:07
